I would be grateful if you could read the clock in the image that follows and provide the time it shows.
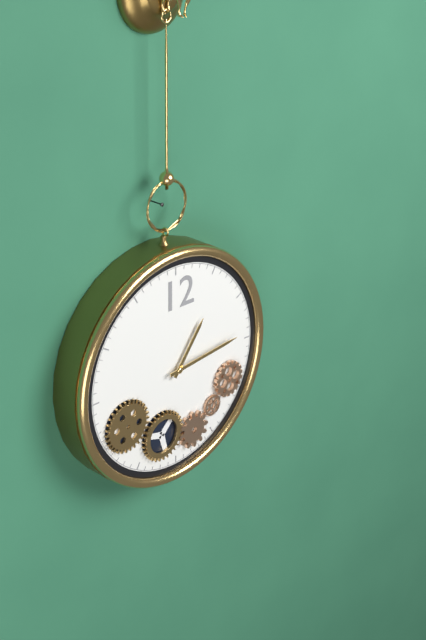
1:14
